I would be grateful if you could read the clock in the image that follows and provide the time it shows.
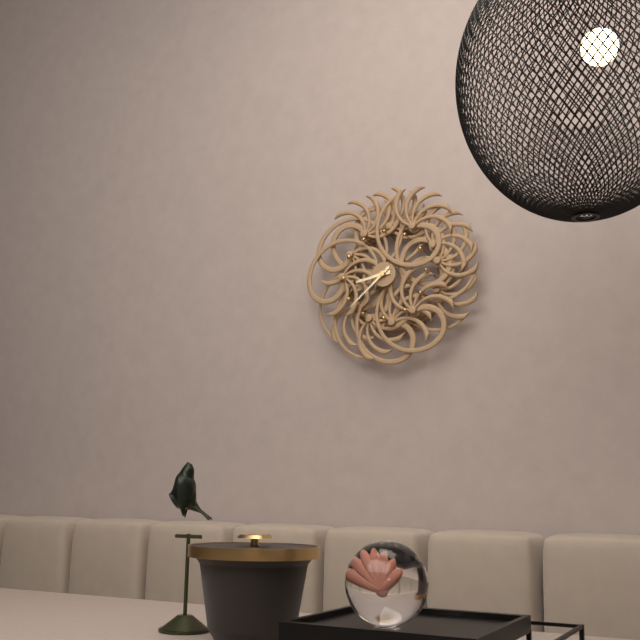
8:38
